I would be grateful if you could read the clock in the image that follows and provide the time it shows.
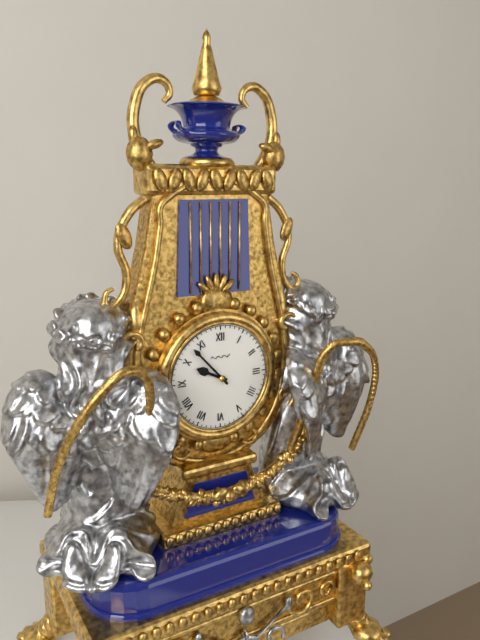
9:53
